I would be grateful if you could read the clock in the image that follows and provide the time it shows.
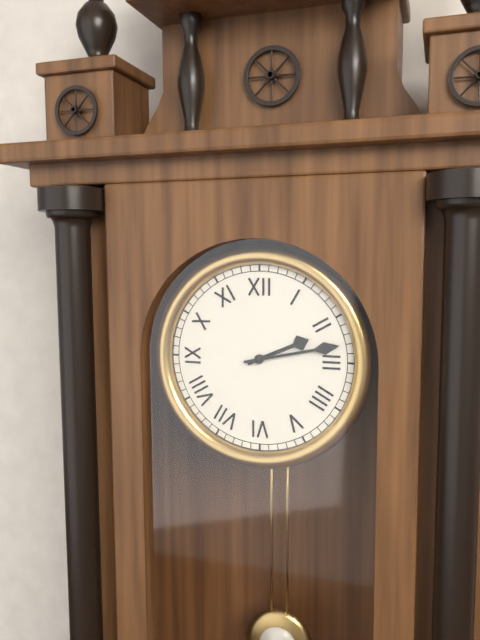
2:13
